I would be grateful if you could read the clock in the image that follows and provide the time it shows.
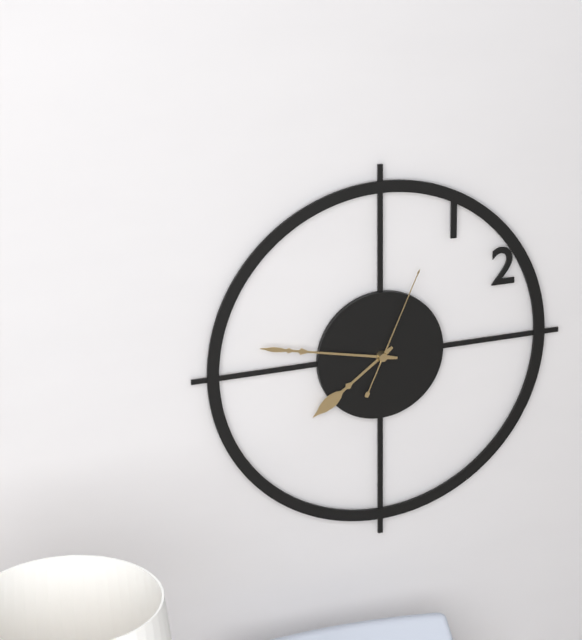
7:47:04
